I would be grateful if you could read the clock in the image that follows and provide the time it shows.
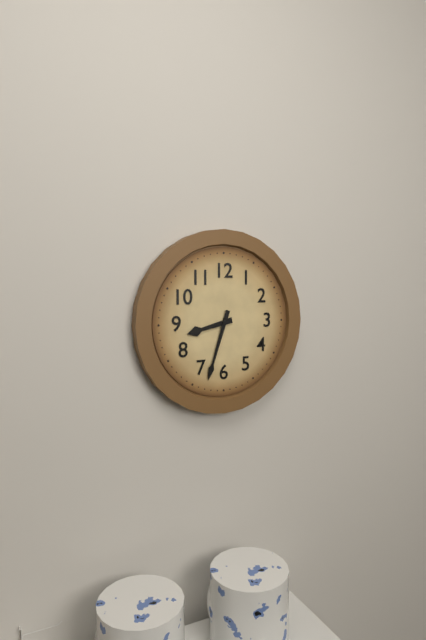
8:33
